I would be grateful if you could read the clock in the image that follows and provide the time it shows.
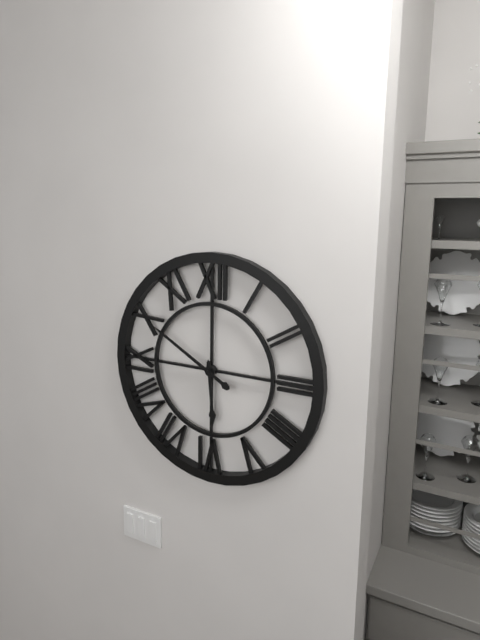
5:50
